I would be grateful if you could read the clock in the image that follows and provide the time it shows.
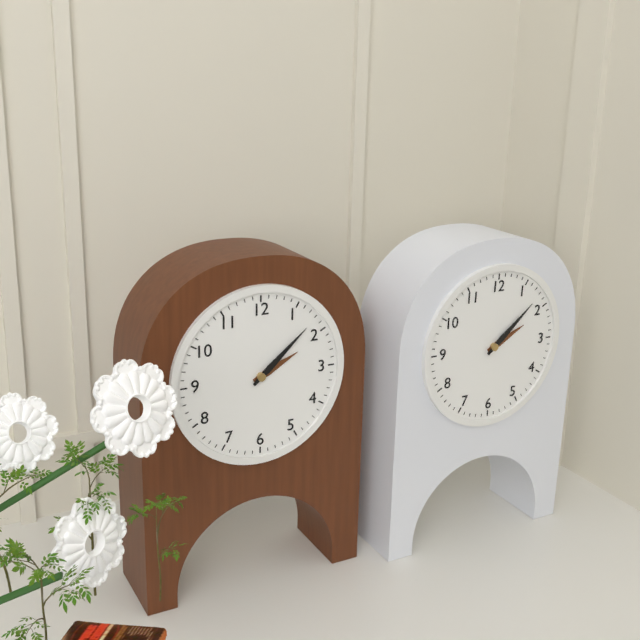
2:08
